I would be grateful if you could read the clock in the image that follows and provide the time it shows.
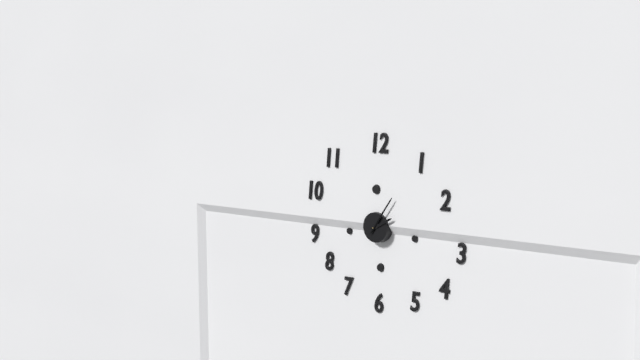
2:06
